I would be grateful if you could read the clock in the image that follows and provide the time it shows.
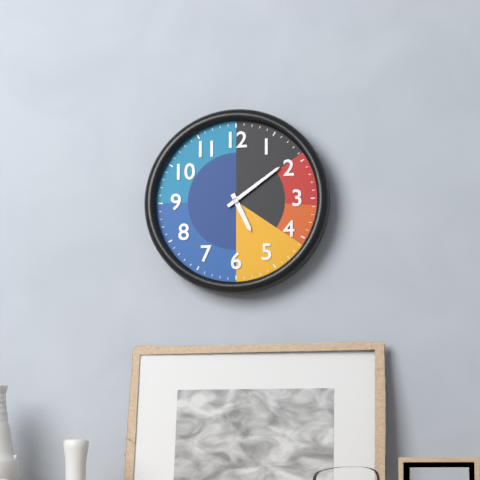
5:09
